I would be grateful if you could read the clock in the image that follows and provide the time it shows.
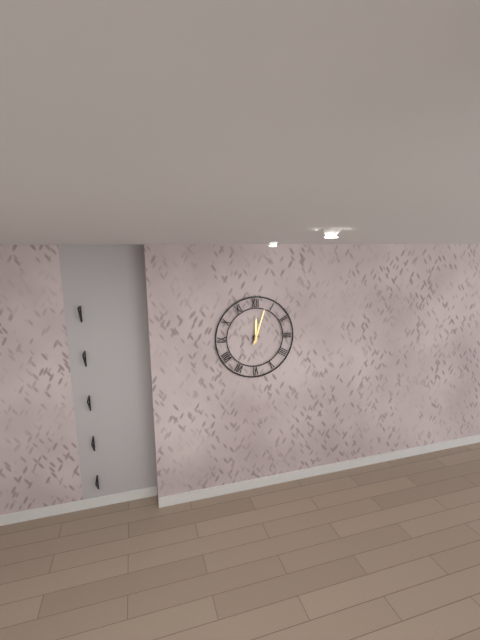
12:03
